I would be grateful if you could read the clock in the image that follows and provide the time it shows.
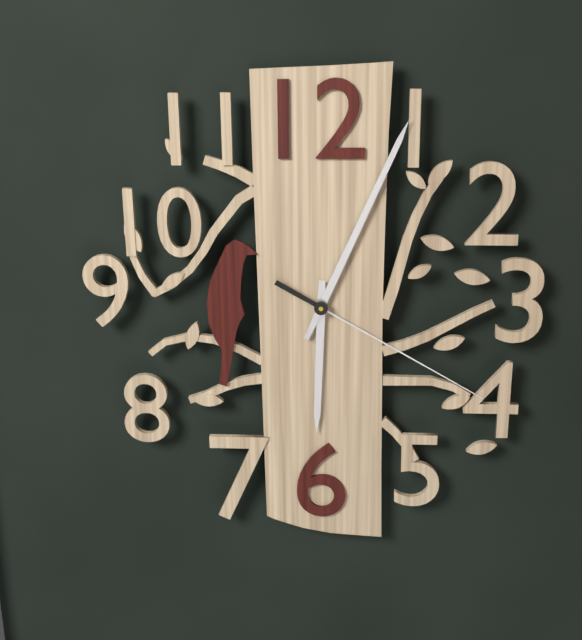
6:04:20
